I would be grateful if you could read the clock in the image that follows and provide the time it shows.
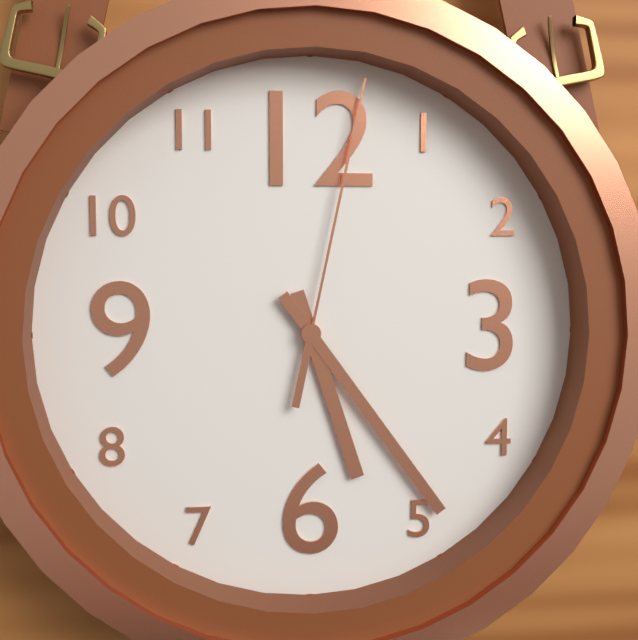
5:24:02
